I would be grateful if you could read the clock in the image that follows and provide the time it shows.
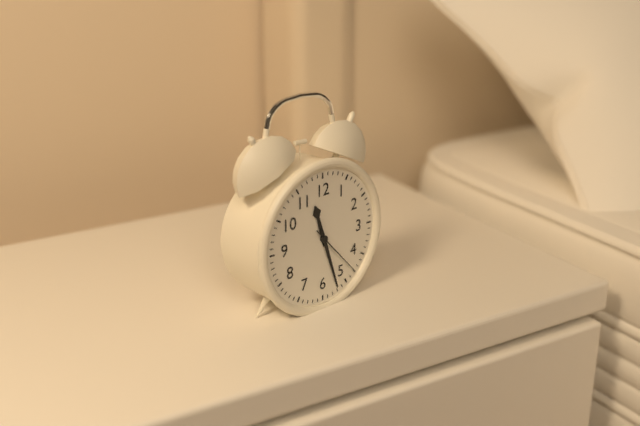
11:27:23
